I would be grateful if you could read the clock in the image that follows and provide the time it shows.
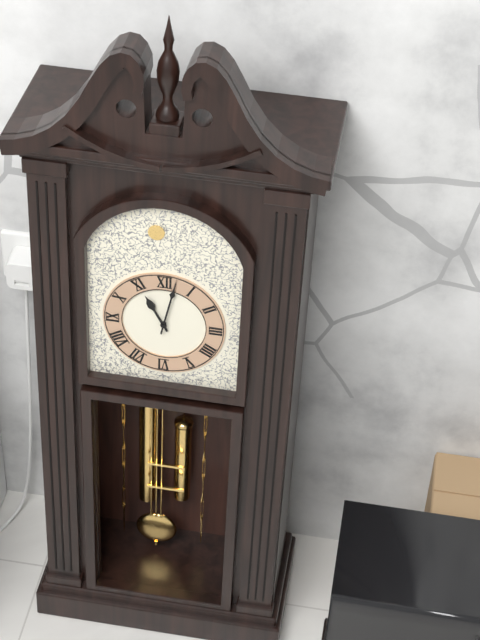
11:02
